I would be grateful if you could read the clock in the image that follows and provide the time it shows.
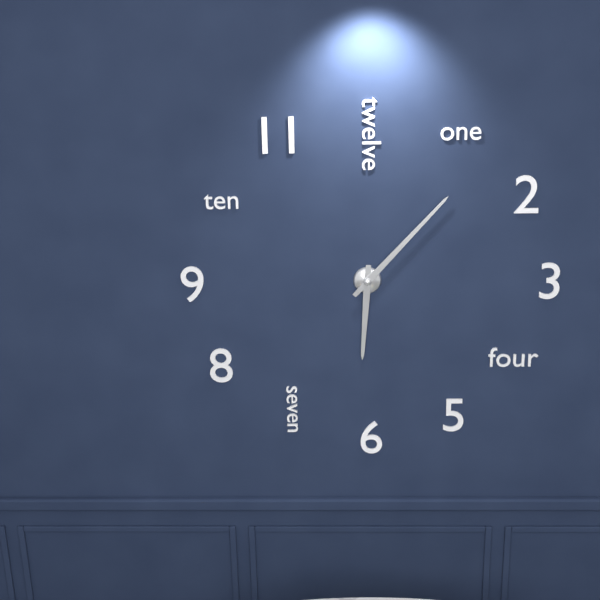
6:07
